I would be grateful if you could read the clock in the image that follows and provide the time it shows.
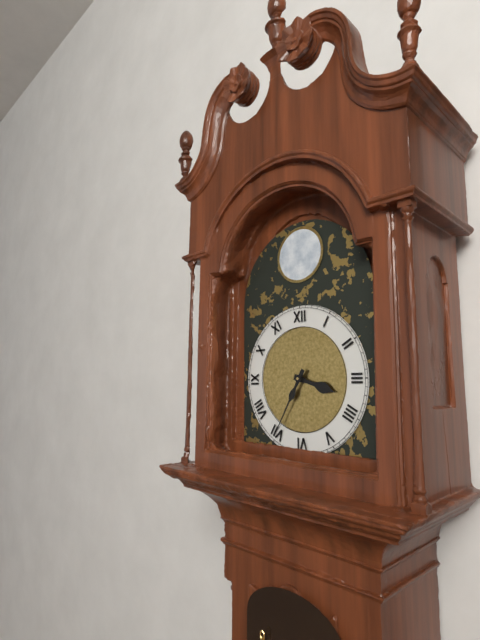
3:35
